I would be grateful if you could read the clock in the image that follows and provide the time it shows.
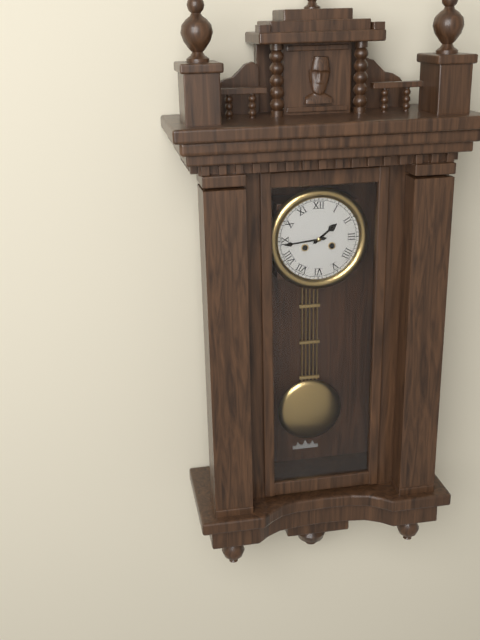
1:44
